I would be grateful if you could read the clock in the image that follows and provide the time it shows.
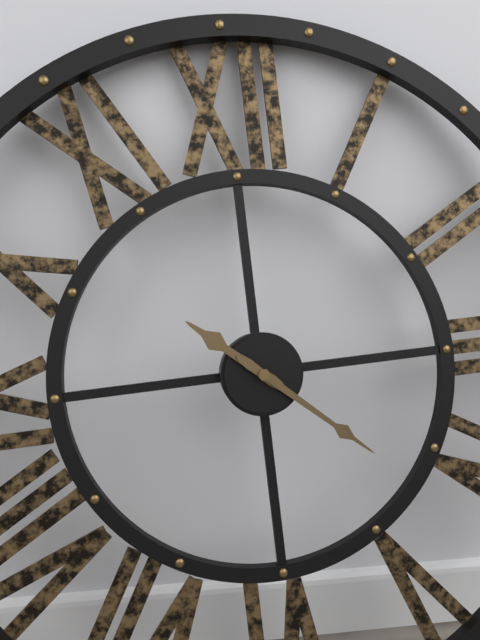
10:22
